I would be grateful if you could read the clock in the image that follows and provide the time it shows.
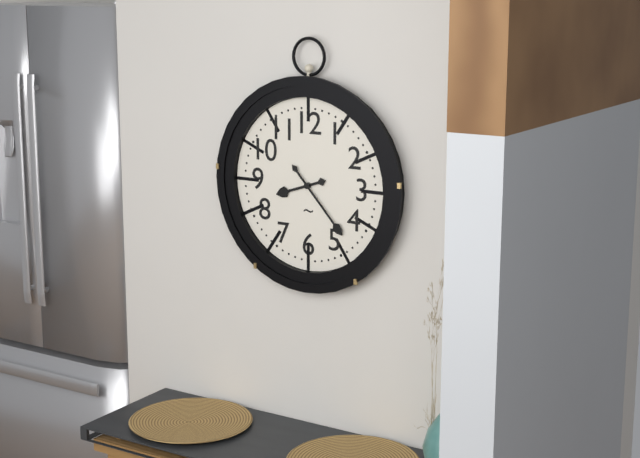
8:23
